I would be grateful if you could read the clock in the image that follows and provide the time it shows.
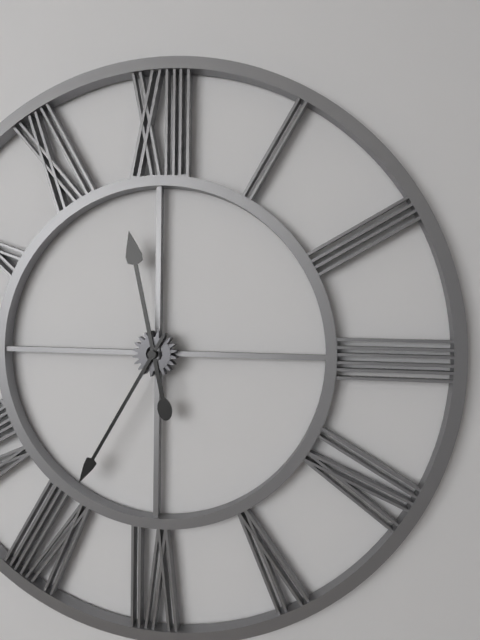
11:35
